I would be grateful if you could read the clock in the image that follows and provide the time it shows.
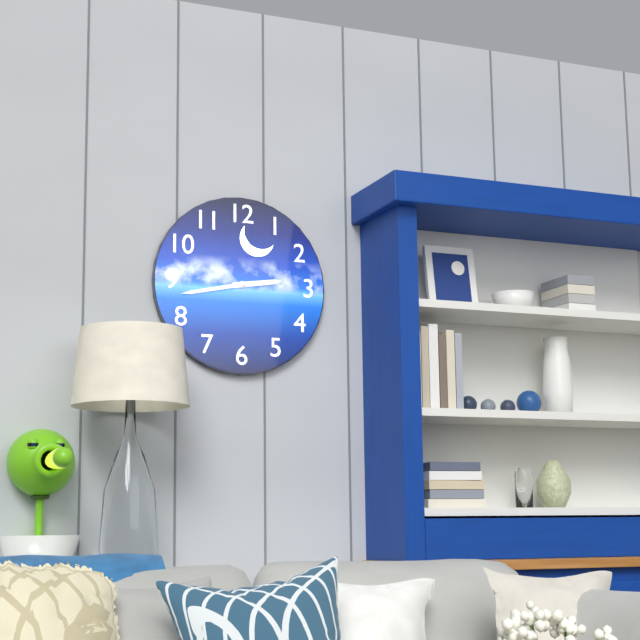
2:43
